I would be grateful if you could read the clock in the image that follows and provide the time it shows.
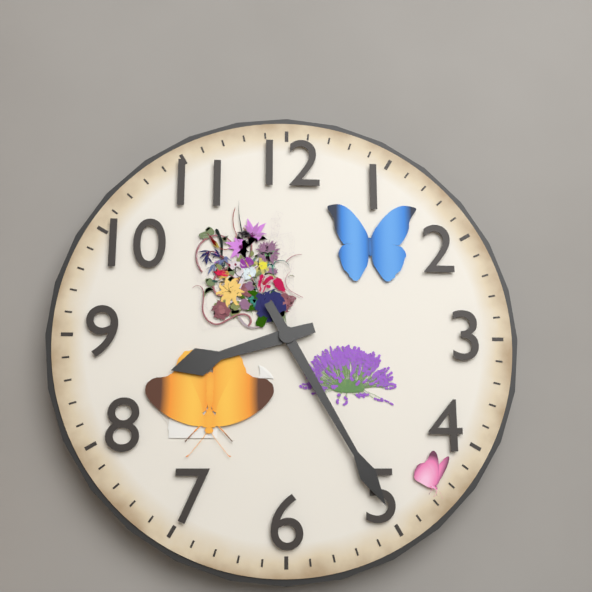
8:25
